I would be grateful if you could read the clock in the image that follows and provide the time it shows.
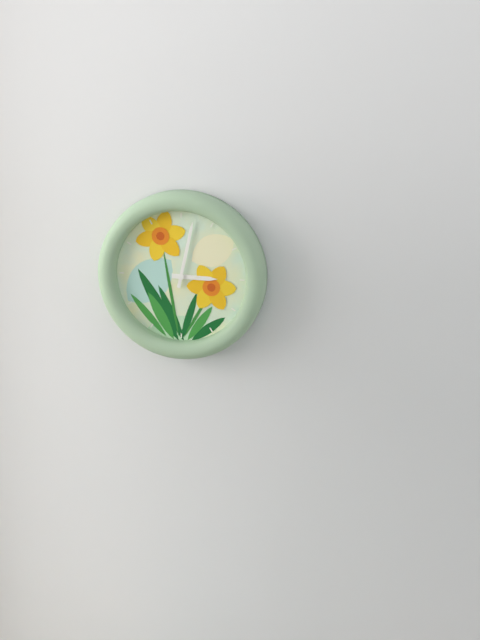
3:02
